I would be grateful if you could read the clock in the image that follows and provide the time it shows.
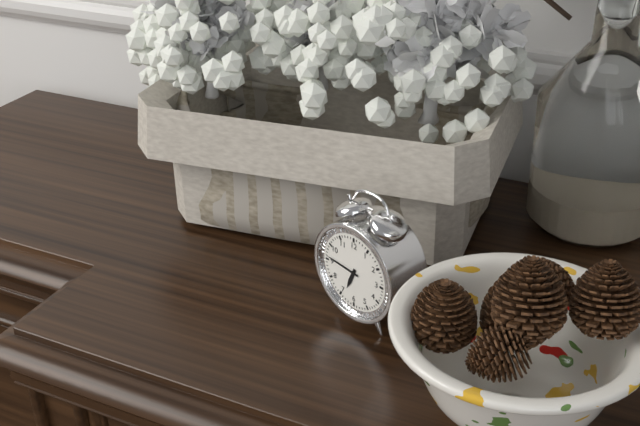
6:46
